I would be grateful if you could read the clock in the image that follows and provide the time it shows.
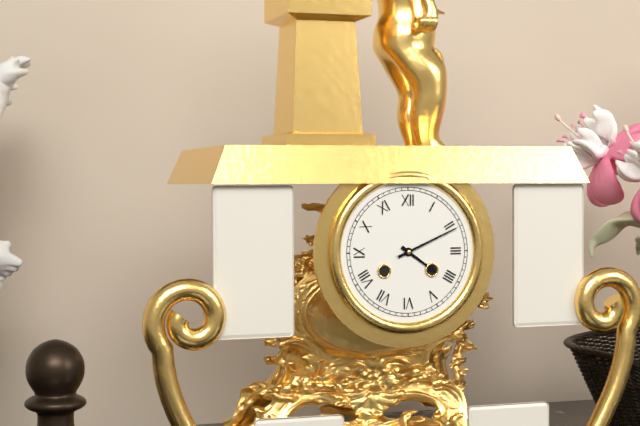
4:11
